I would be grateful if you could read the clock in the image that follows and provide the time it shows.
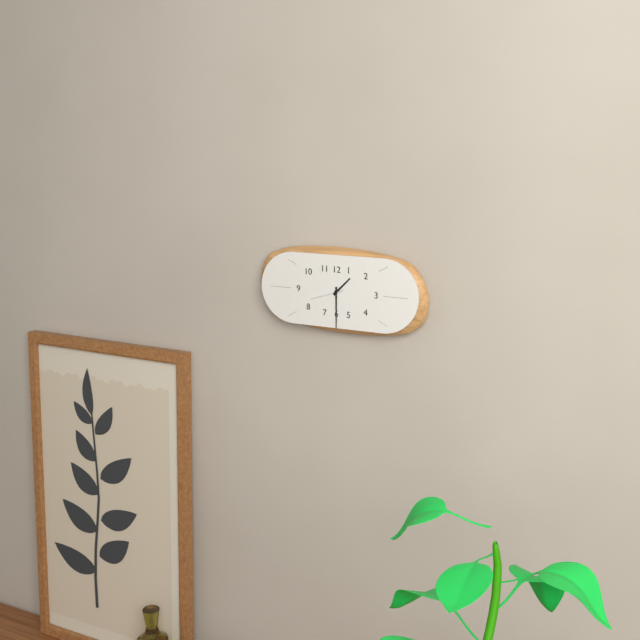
1:30
